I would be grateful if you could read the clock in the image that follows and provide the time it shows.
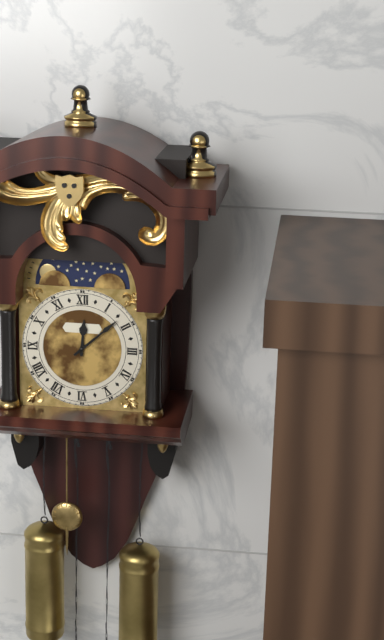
12:08
